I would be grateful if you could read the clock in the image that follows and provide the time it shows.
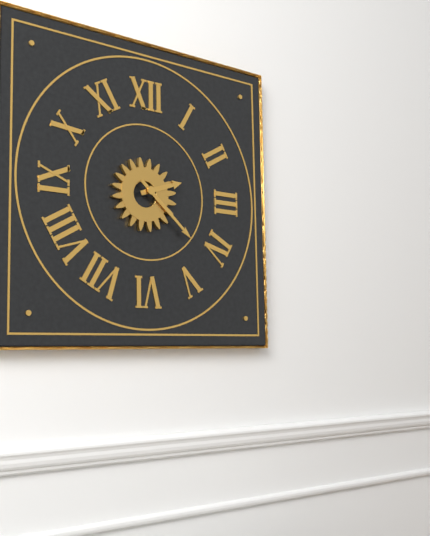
2:22
